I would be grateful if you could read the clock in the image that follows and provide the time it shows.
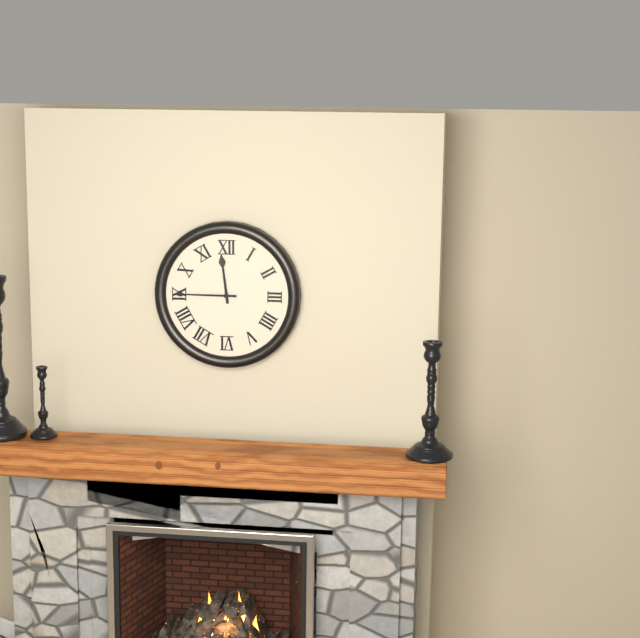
11:45
